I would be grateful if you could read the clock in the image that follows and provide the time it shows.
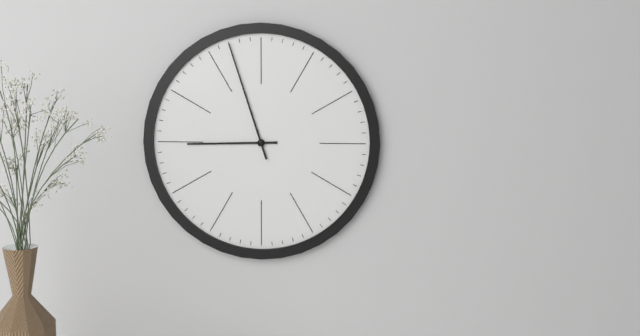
8:57
